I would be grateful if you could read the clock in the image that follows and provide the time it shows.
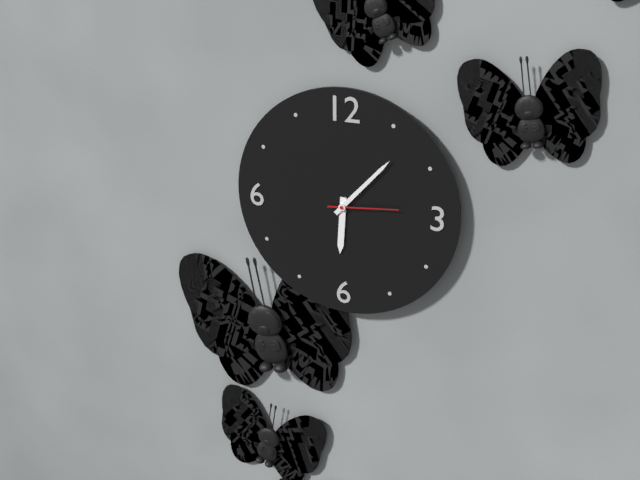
6:07:14
